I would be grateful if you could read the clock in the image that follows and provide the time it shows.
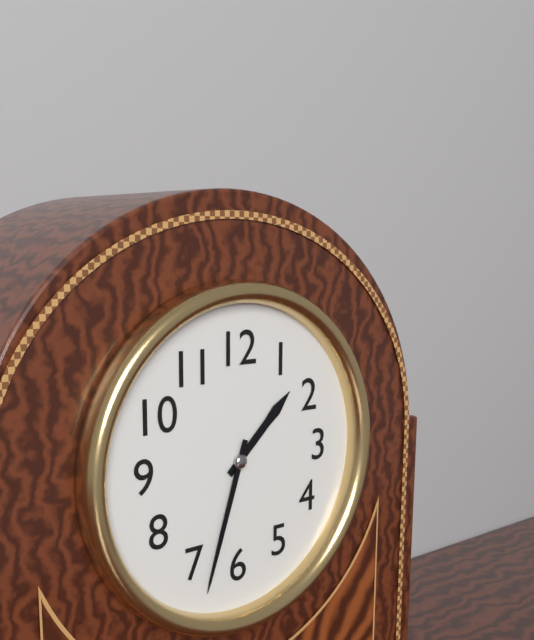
1:33
